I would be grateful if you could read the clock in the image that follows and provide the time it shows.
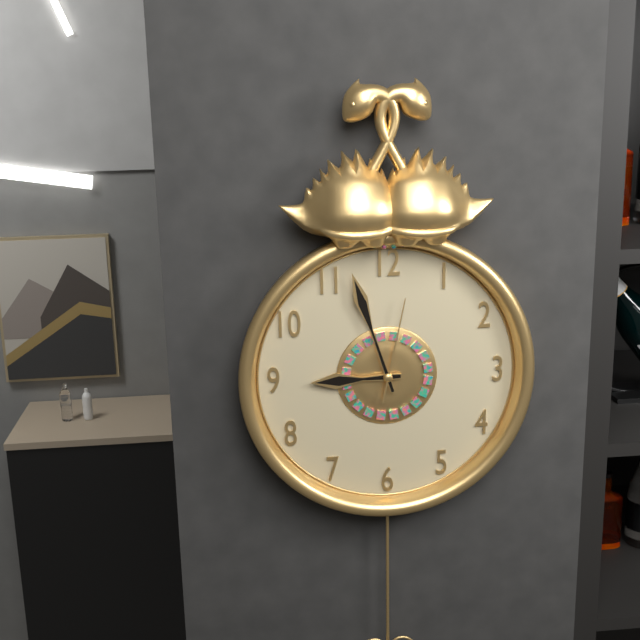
8:57:02
